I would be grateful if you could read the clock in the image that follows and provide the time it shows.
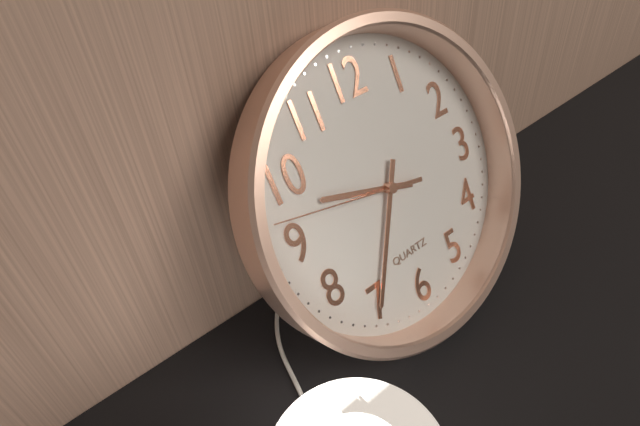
9:35:47
